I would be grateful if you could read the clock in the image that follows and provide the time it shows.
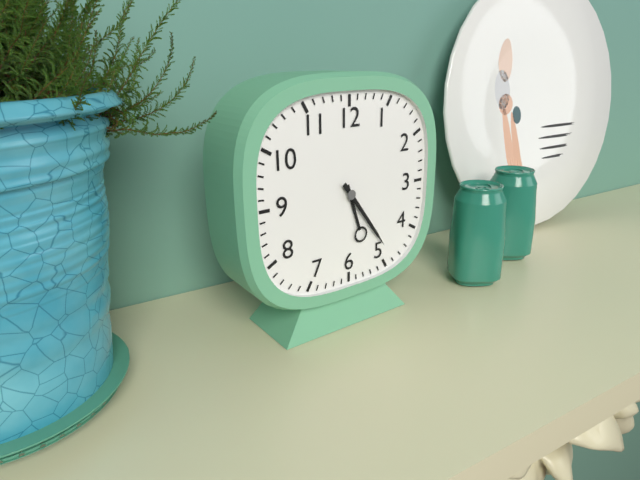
5:24
